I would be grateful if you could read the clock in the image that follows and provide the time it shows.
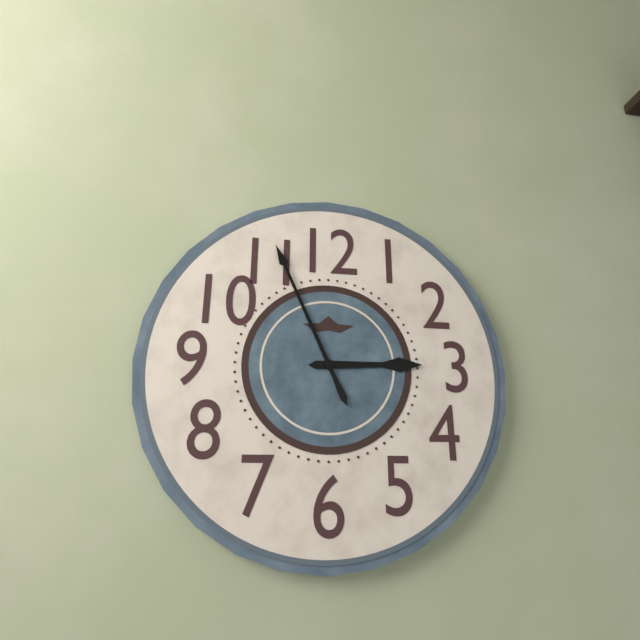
2:56
